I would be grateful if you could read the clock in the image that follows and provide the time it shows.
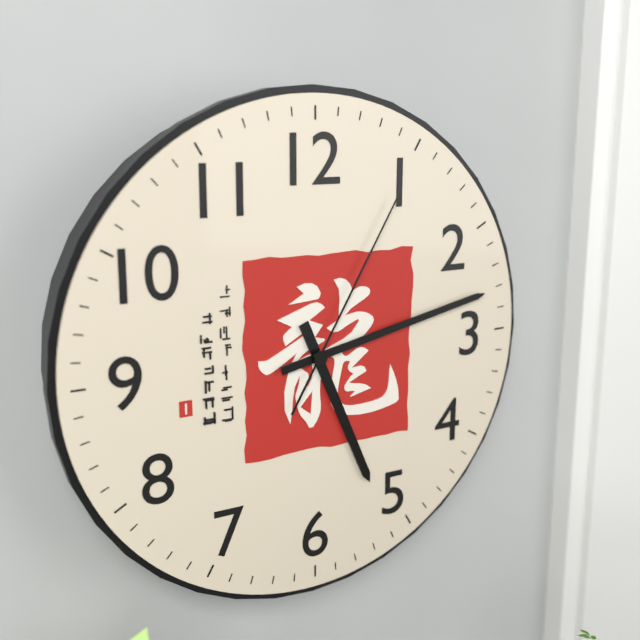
5:13:05
